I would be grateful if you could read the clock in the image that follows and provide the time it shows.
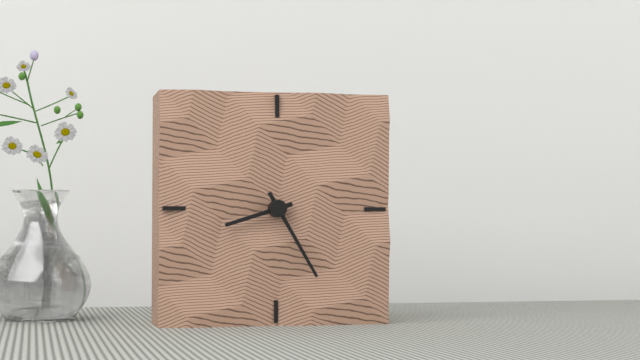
8:25
